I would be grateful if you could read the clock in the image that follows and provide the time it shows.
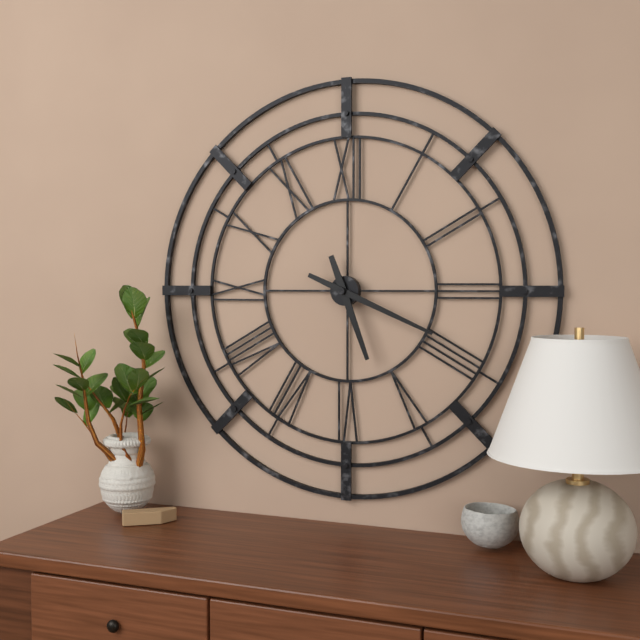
5:19
